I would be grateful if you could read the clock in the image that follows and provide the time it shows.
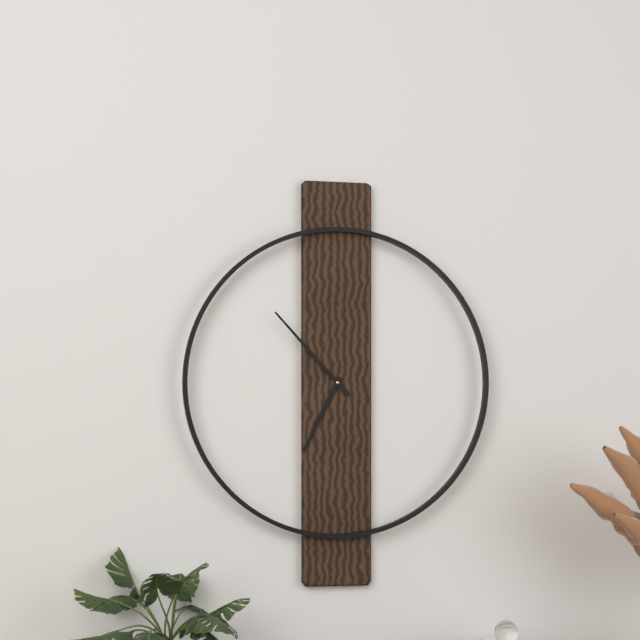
6:53
